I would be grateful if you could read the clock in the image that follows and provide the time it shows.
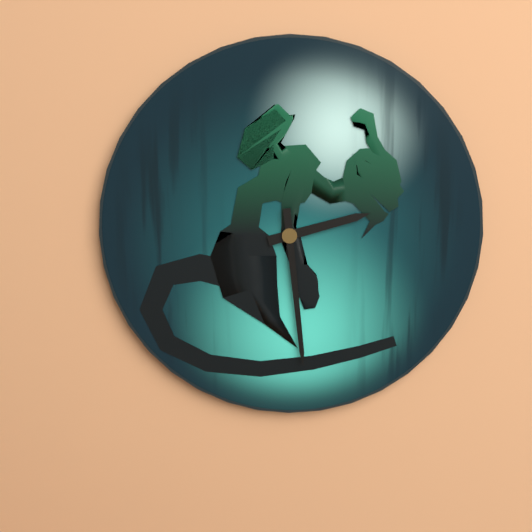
2:29
